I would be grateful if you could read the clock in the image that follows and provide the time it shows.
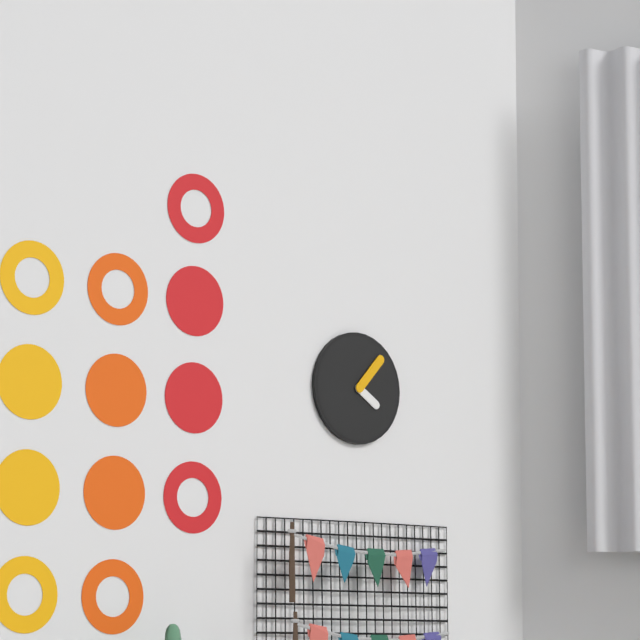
4:07
